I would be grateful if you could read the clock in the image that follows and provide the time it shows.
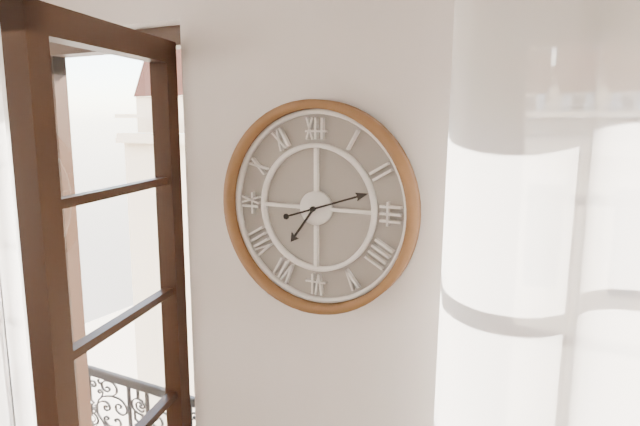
7:12
